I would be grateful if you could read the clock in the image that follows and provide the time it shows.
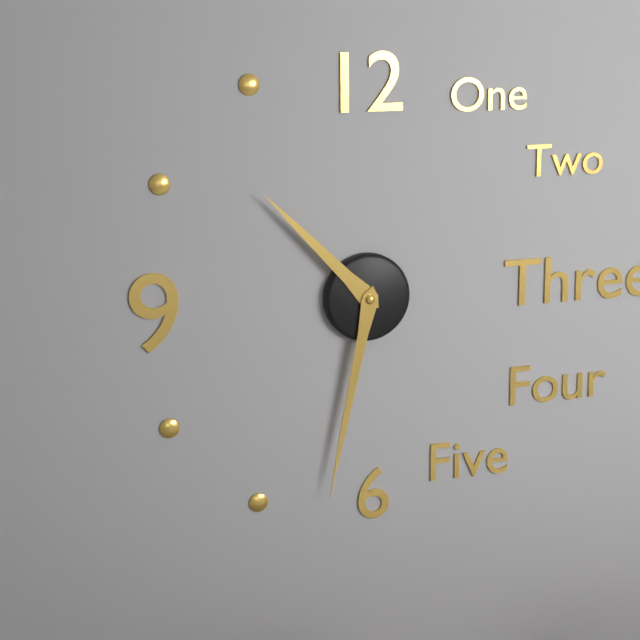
10:32
